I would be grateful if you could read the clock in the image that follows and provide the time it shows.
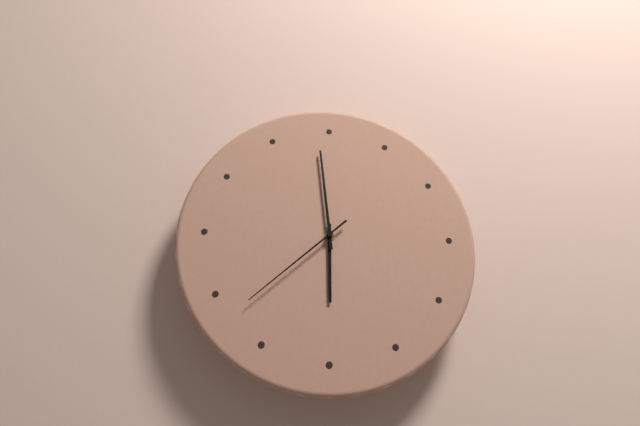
5:59:38
